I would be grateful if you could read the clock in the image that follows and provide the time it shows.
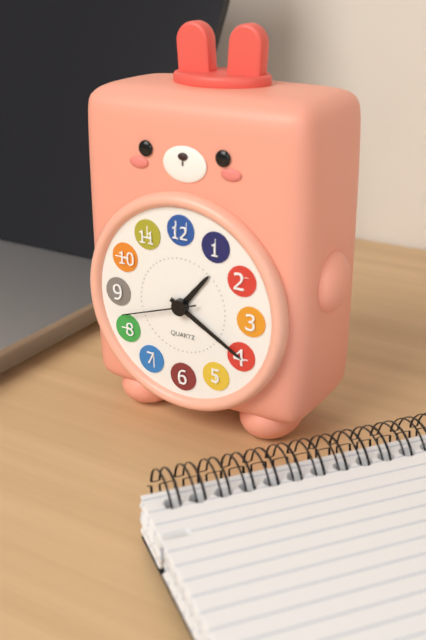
1:20:42
